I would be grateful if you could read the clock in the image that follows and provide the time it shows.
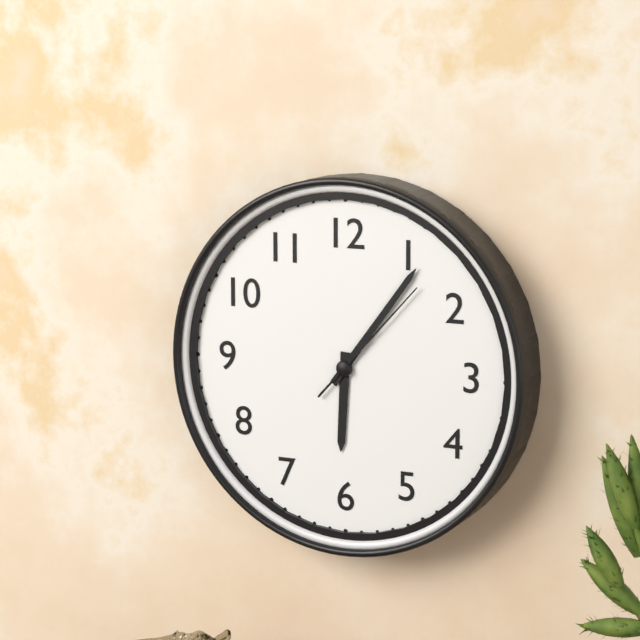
6:06:07
